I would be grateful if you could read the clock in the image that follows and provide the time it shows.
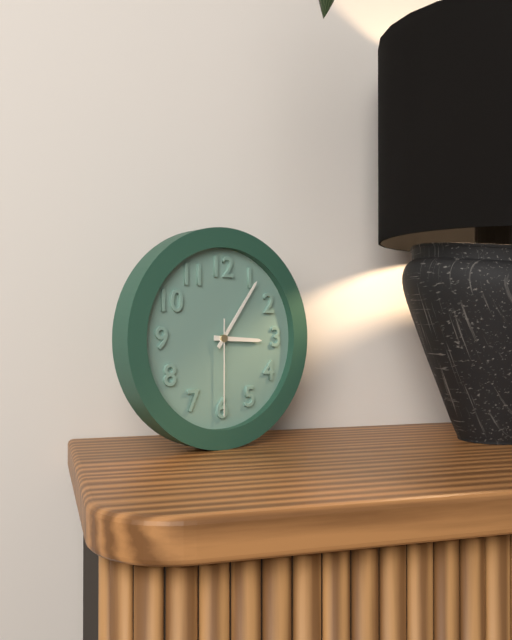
3:06:30
